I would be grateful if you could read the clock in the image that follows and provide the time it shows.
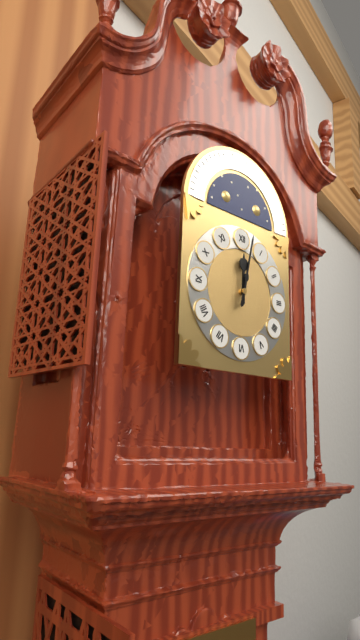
12:02
